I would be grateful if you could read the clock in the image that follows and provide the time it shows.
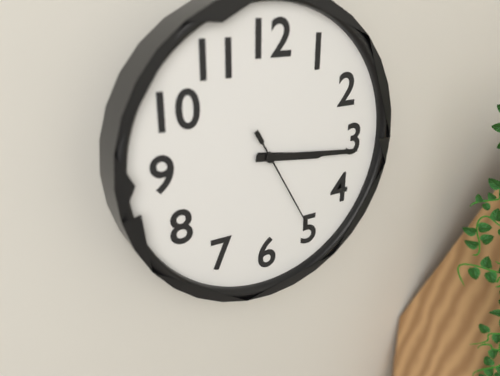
3:16:25
